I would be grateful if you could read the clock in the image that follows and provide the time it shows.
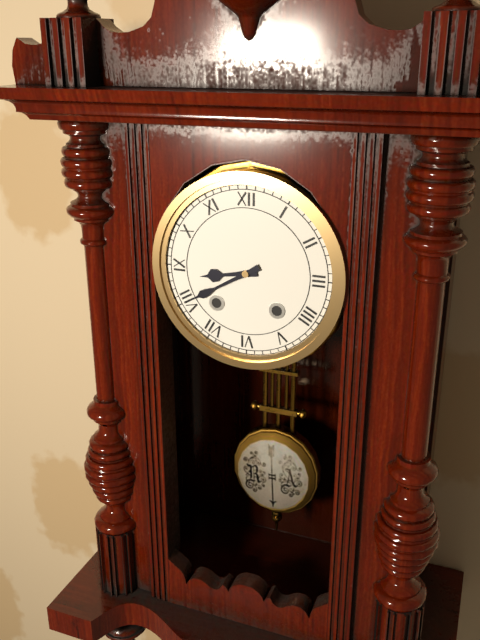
8:40
